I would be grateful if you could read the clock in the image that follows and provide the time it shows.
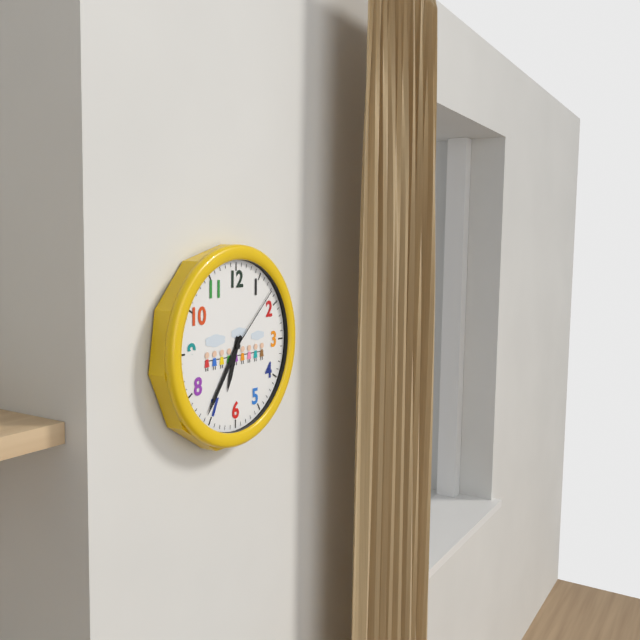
6:36:08
